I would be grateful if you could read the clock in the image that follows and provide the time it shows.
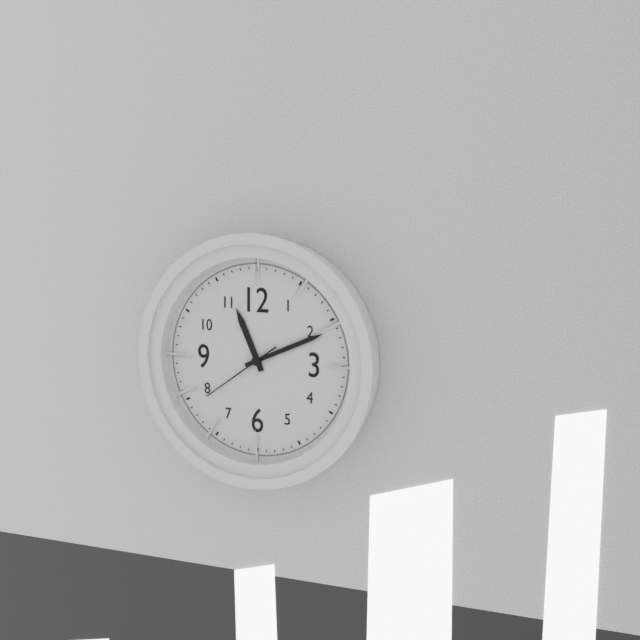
11:11:39
